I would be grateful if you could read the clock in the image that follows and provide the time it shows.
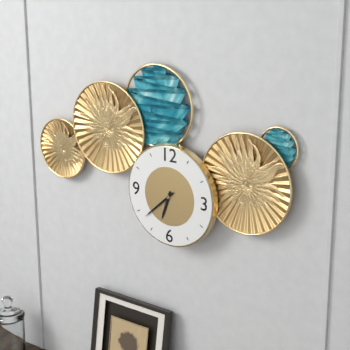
6:38
